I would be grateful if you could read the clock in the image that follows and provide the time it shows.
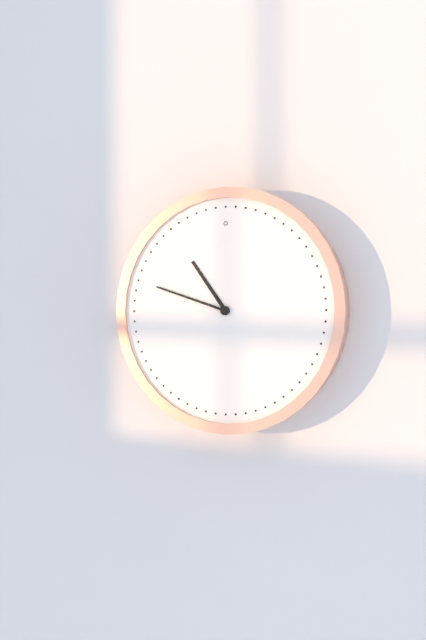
10:48
